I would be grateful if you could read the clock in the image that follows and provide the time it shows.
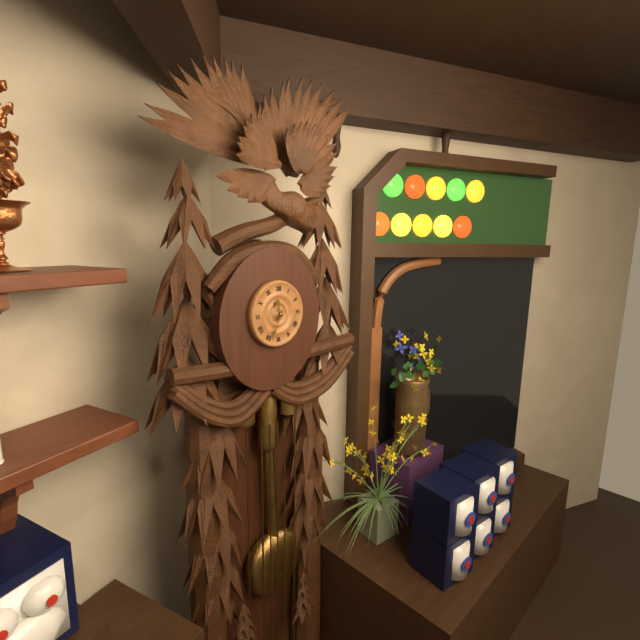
11:34
